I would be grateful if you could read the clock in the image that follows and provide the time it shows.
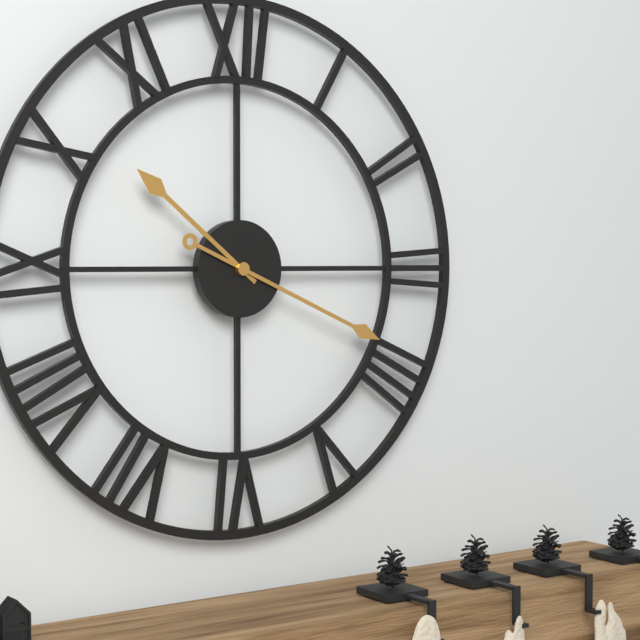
10:19
